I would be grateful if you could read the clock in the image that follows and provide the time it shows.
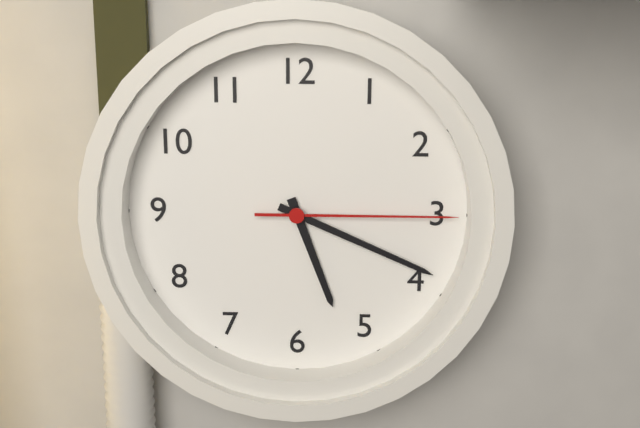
5:19:15
